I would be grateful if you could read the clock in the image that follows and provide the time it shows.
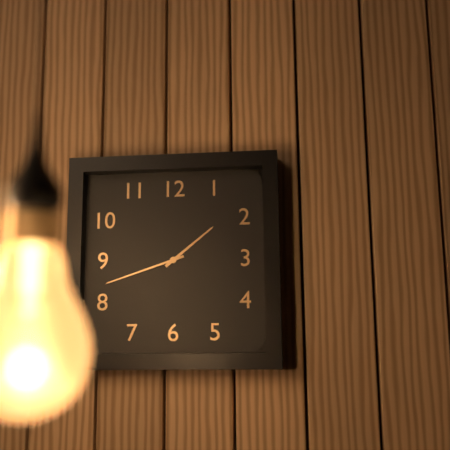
1:42
